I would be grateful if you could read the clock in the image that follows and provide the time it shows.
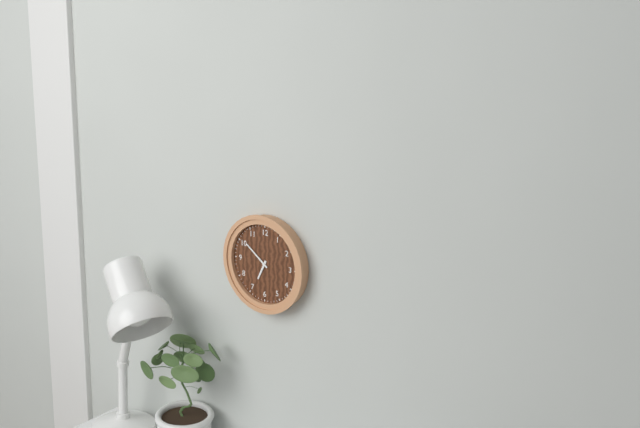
6:51
